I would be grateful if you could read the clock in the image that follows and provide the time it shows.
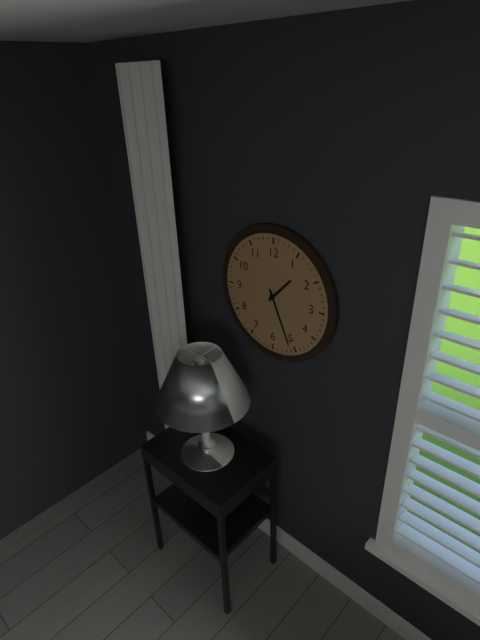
1:26
